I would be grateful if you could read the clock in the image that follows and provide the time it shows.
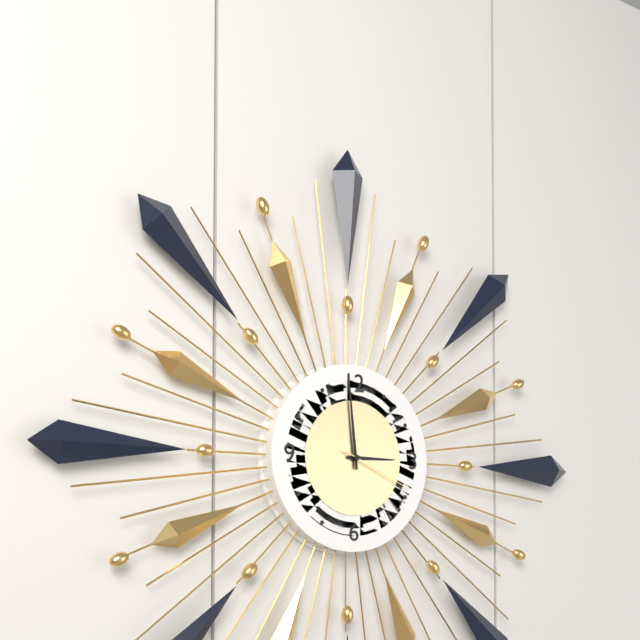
2:59:19
